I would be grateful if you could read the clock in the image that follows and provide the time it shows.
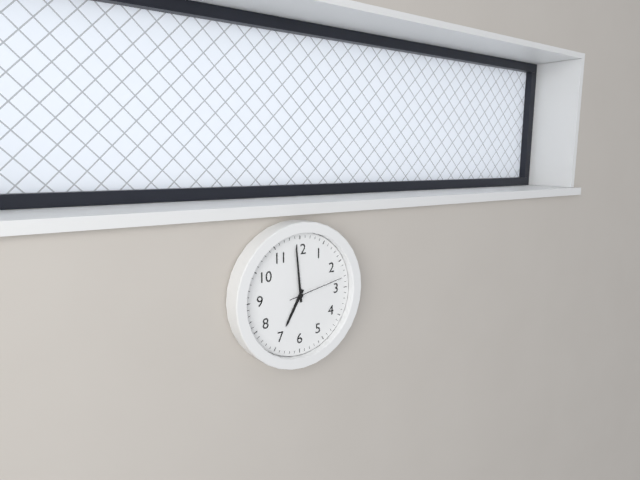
6:59:13
